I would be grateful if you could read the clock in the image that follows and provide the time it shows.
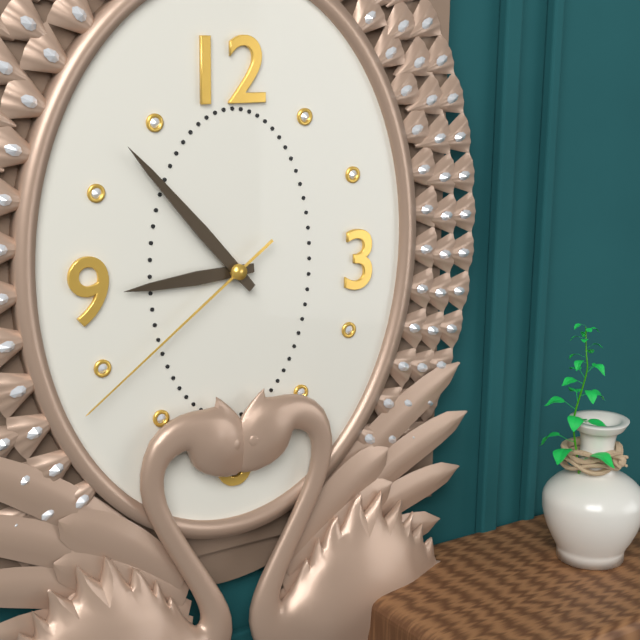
8:53:39
